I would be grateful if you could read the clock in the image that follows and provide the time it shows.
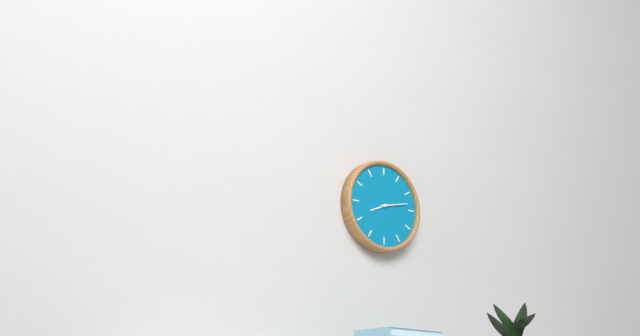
8:13
